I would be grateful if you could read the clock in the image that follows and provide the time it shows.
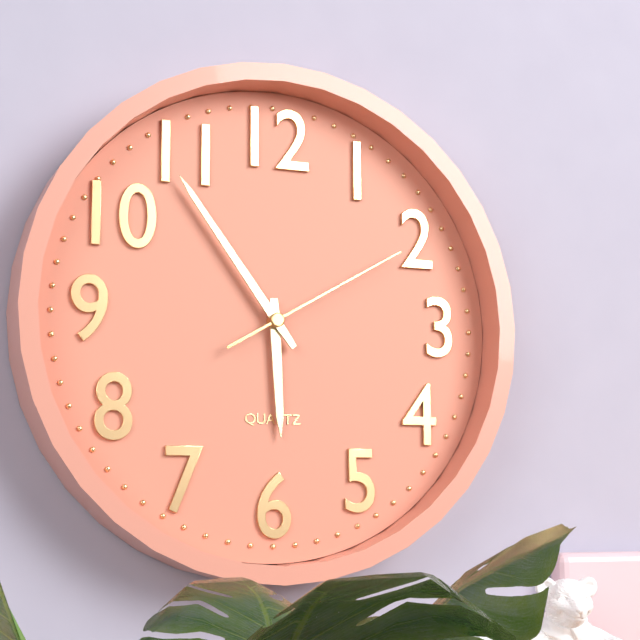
5:54:10
